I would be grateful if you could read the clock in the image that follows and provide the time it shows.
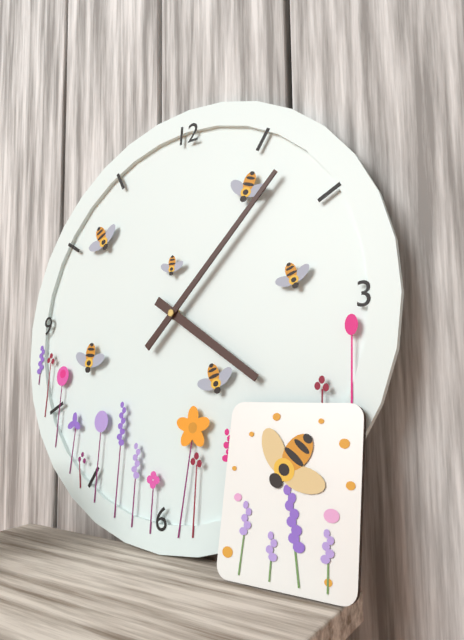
4:07
